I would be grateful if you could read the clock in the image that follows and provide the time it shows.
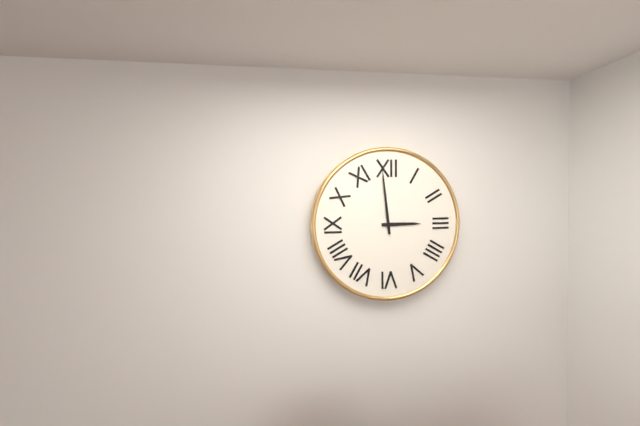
2:59
